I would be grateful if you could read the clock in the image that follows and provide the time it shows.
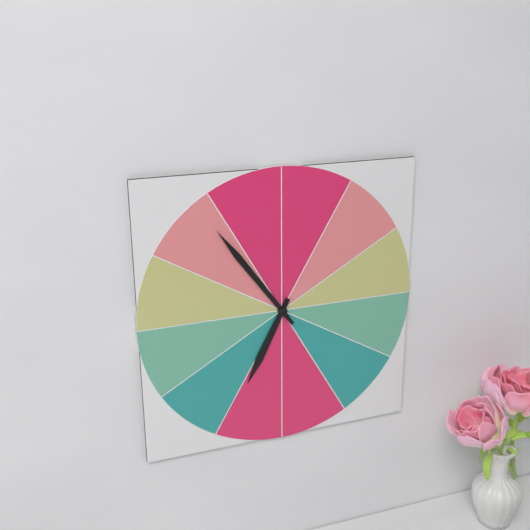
6:54
